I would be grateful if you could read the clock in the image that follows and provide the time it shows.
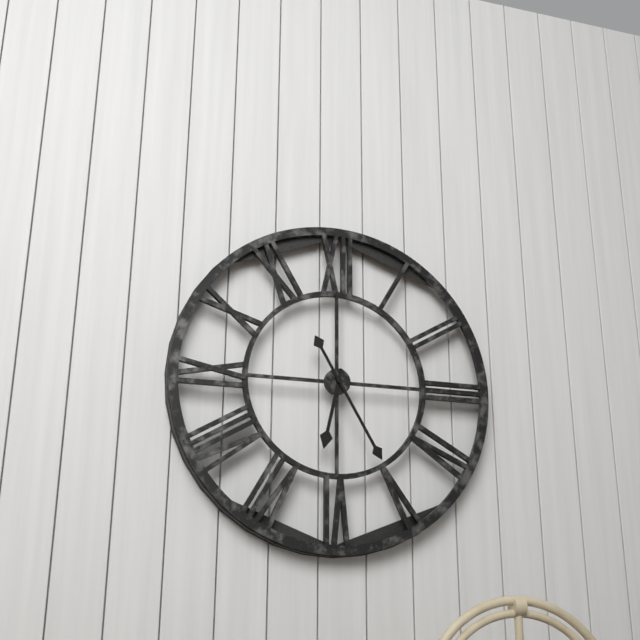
6:25
